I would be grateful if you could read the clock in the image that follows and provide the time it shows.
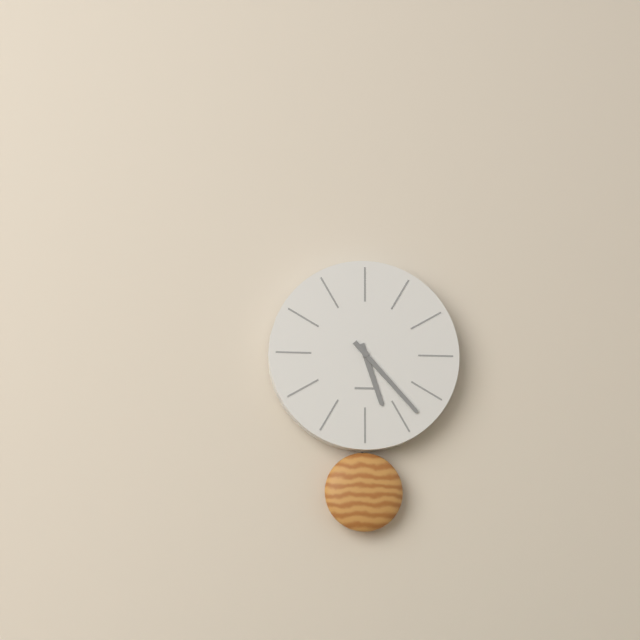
5:23
